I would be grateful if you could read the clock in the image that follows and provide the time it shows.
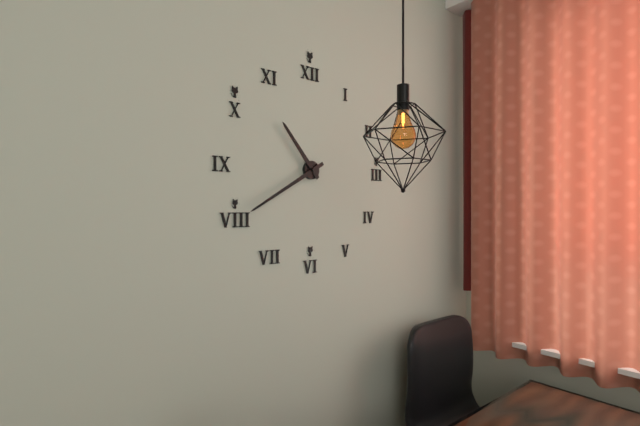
10:40
